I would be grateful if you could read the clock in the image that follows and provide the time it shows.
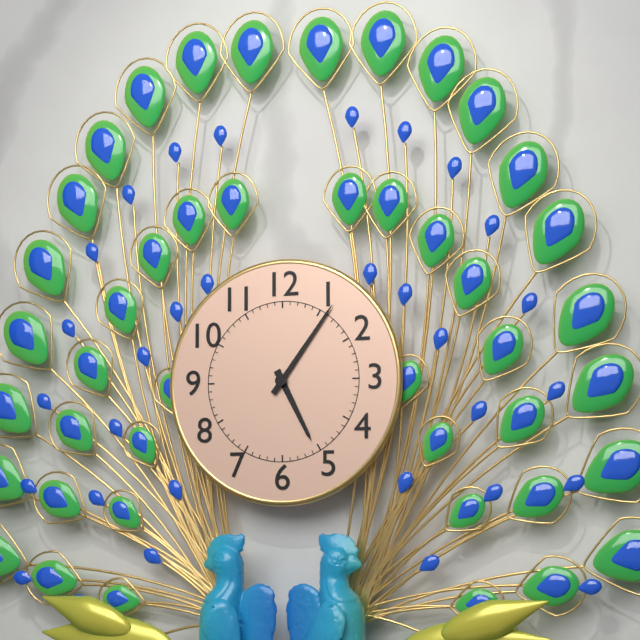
5:06
